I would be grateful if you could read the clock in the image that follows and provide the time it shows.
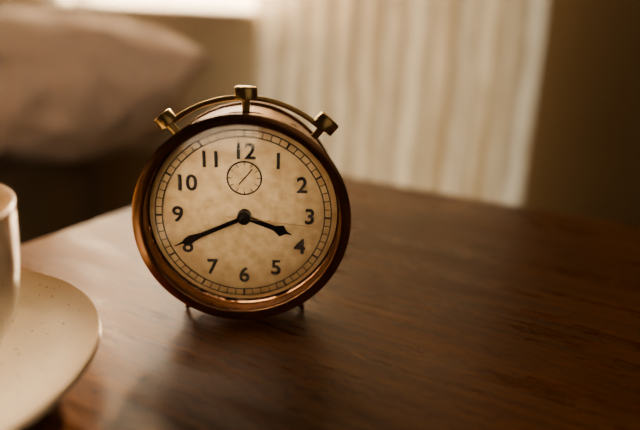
3:41:16
